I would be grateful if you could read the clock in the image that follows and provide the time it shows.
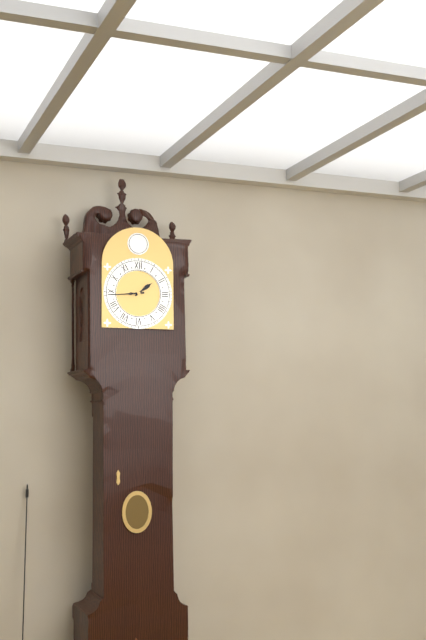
1:44
